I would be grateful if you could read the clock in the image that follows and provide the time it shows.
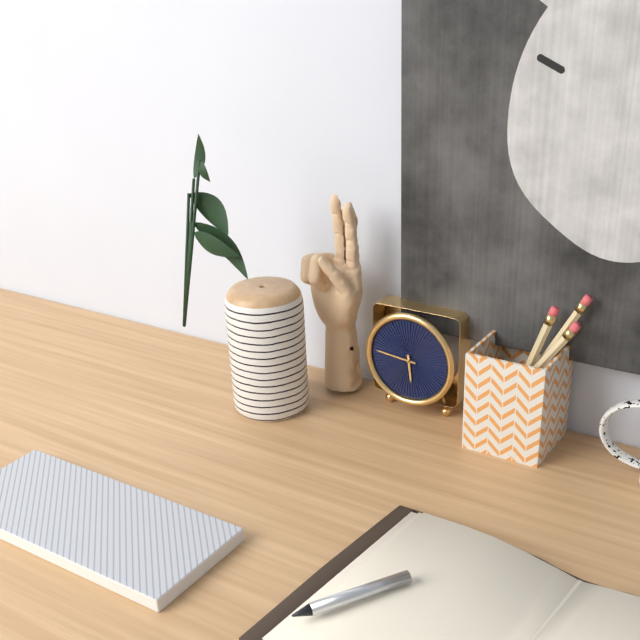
5:46
